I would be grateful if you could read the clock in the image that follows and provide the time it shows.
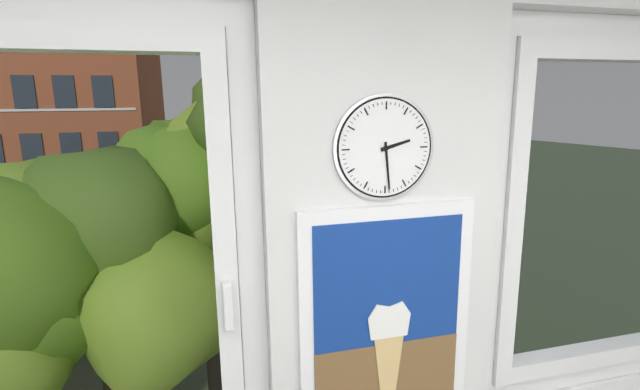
2:29
